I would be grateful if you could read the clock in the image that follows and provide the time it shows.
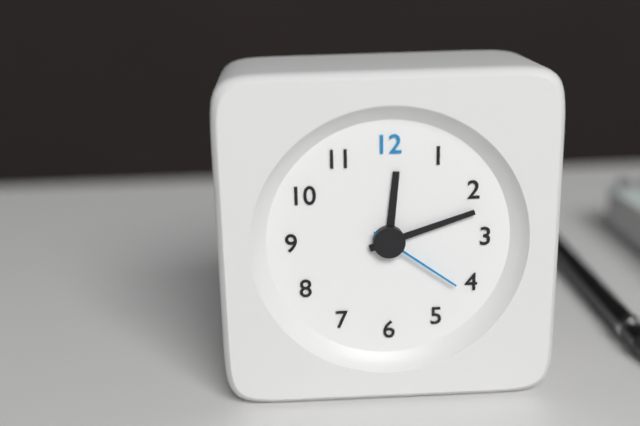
12:12:21
